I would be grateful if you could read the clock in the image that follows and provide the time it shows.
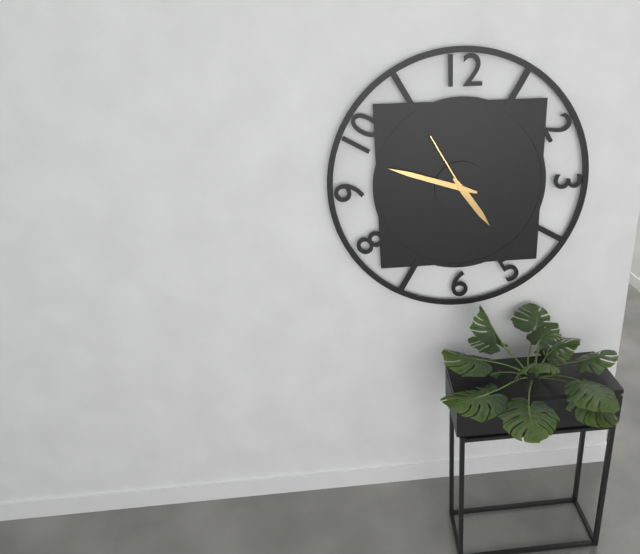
4:48:55
